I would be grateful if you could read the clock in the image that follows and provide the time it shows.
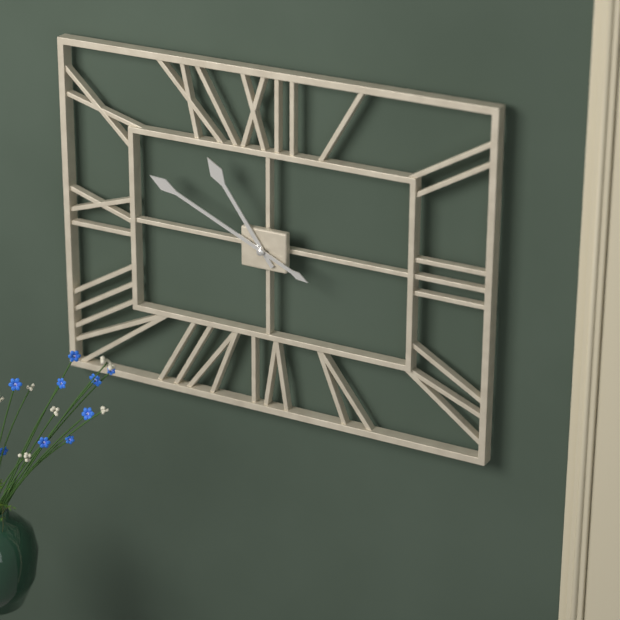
10:49
